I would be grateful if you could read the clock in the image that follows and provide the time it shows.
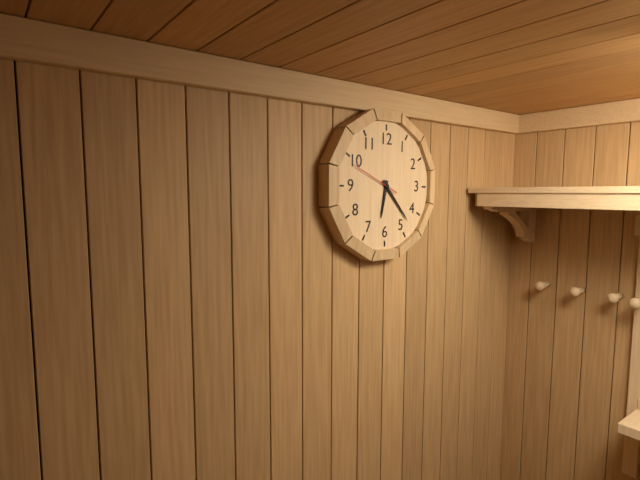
6:23:49
